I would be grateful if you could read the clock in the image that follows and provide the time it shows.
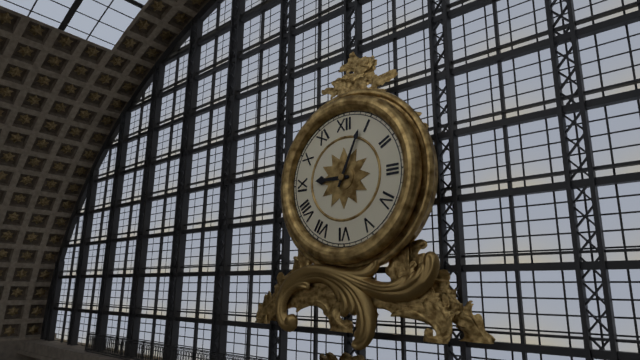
9:04
